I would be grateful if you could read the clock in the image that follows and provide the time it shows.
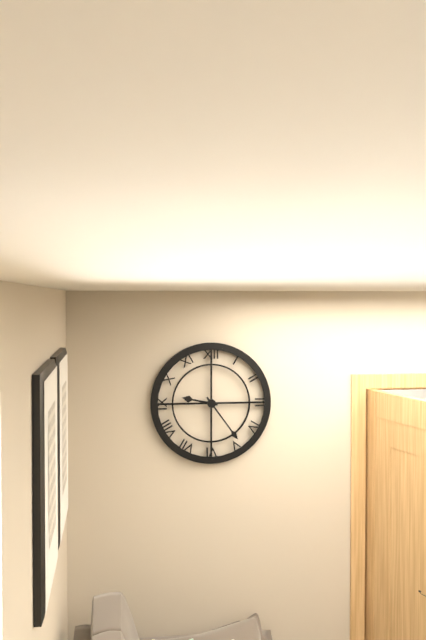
9:24
